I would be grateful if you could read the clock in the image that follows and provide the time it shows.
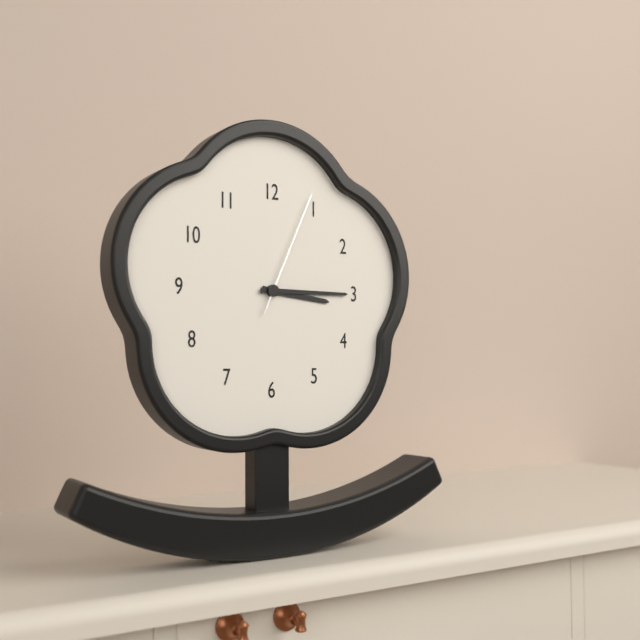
3:15:04
